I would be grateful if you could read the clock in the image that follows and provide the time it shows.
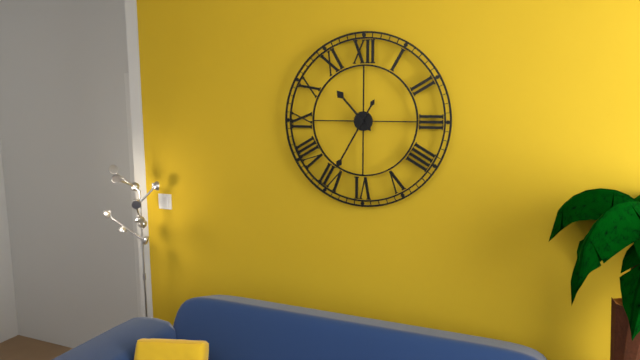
10:35
